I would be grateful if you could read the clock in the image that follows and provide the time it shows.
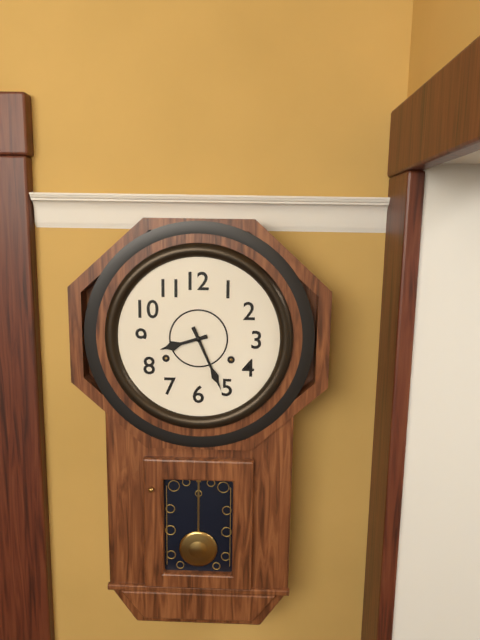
8:26
